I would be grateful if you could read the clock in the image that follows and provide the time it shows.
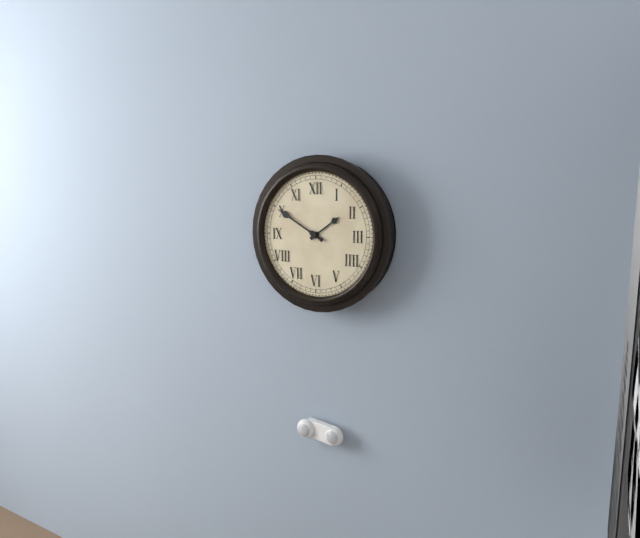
1:50
